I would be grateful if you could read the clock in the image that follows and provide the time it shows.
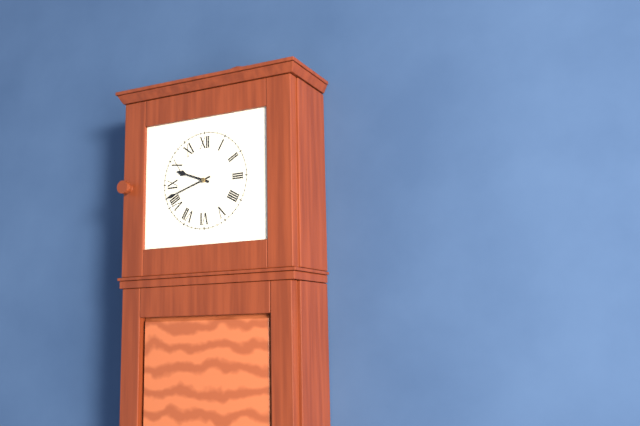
9:42
